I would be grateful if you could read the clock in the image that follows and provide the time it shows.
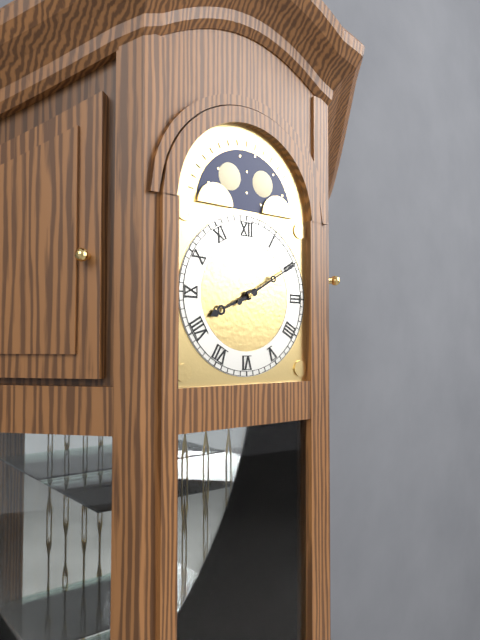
8:10
